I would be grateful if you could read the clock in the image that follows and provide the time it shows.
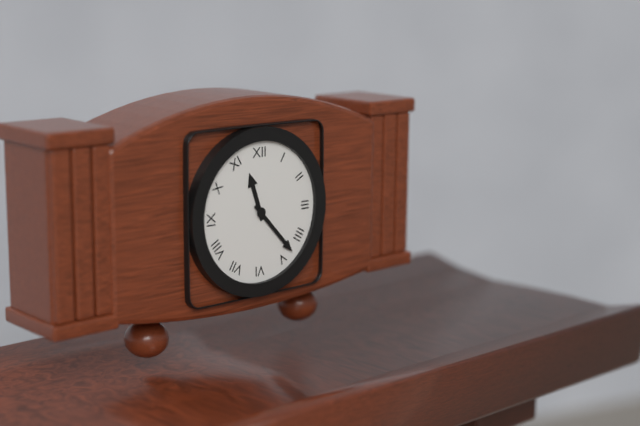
11:23
